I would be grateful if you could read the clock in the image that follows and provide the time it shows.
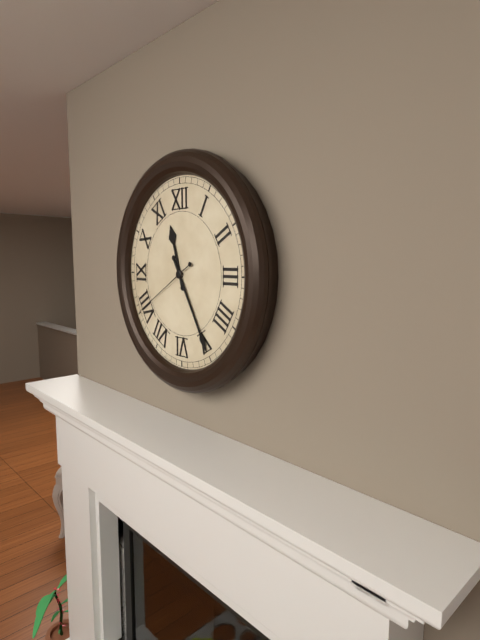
11:25:40
